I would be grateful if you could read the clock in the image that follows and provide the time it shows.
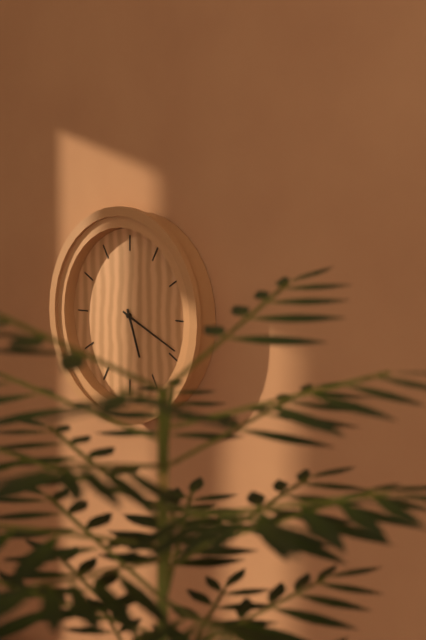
5:19
